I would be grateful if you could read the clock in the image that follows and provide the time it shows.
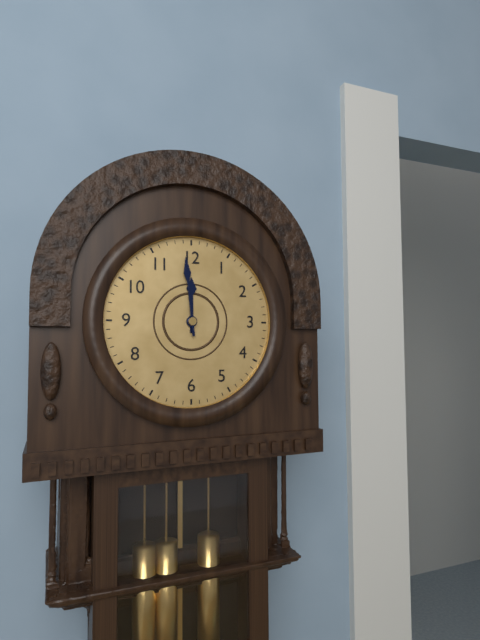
11:59
